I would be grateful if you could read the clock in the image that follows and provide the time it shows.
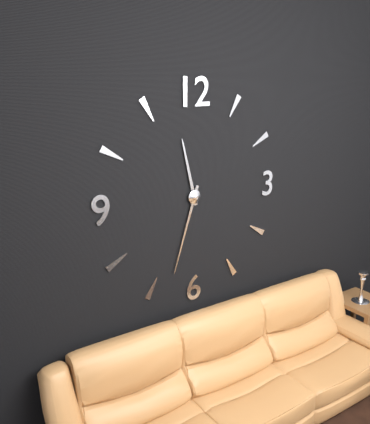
11:33
